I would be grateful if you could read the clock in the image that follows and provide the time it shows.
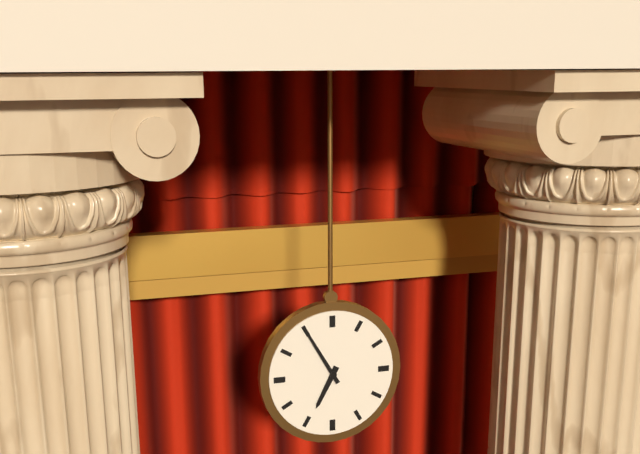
6:55
